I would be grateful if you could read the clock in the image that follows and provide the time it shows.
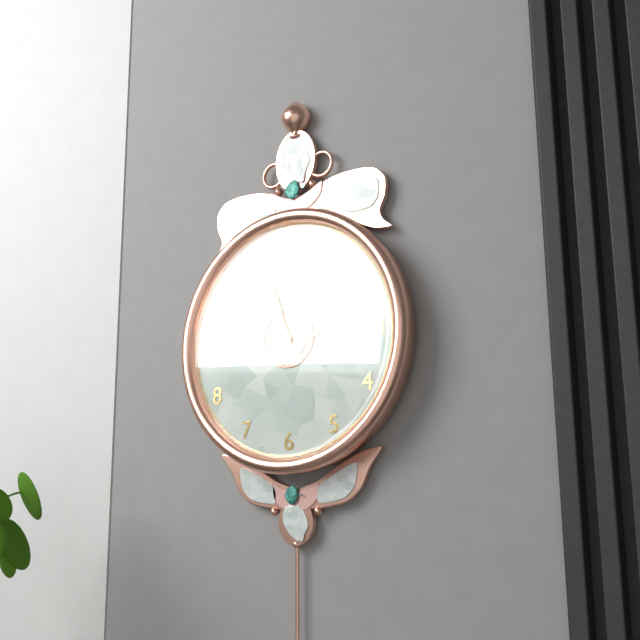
2:57:54
